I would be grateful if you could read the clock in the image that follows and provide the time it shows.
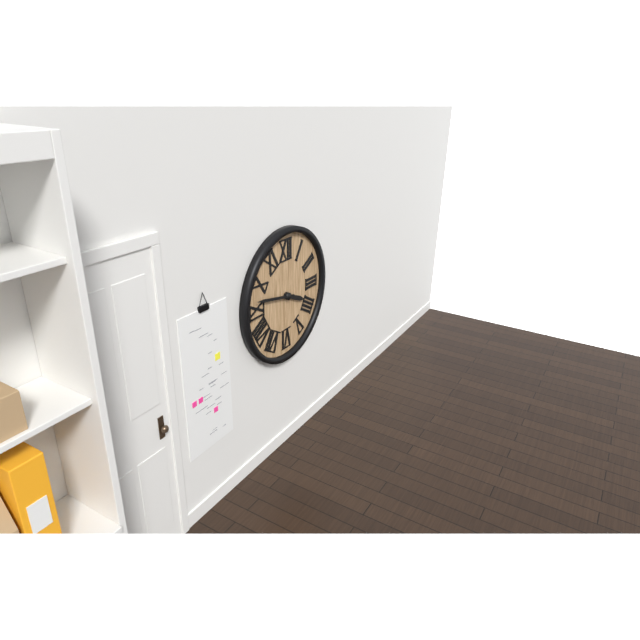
3:47
